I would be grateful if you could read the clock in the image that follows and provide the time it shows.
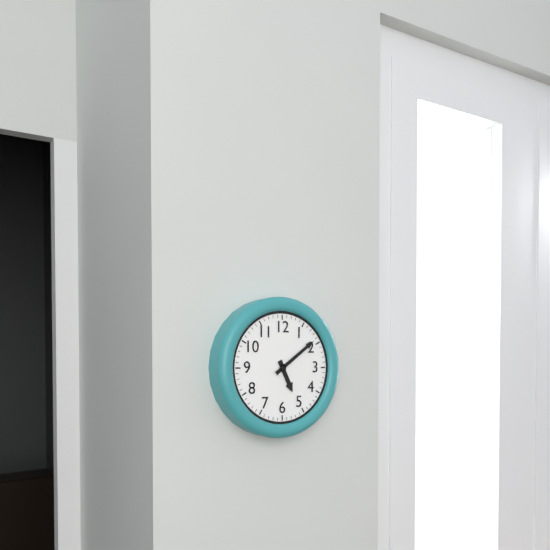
5:09
